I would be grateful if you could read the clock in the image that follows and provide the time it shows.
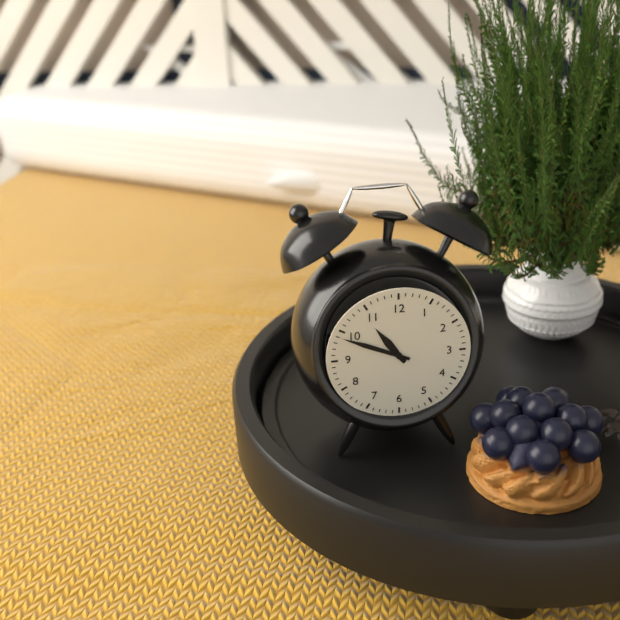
10:49
